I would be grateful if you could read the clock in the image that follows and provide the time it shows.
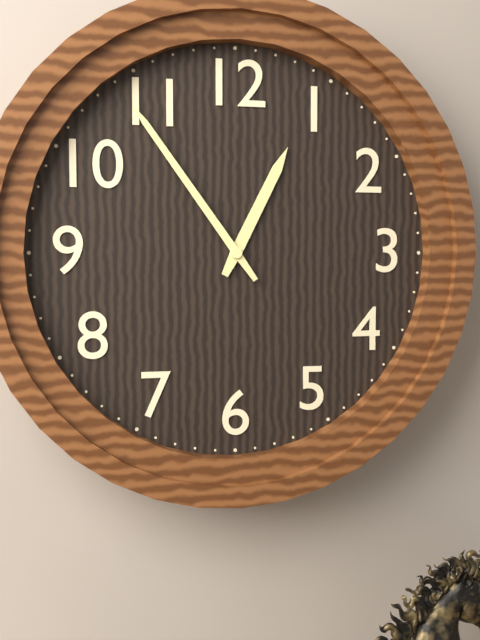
12:54
